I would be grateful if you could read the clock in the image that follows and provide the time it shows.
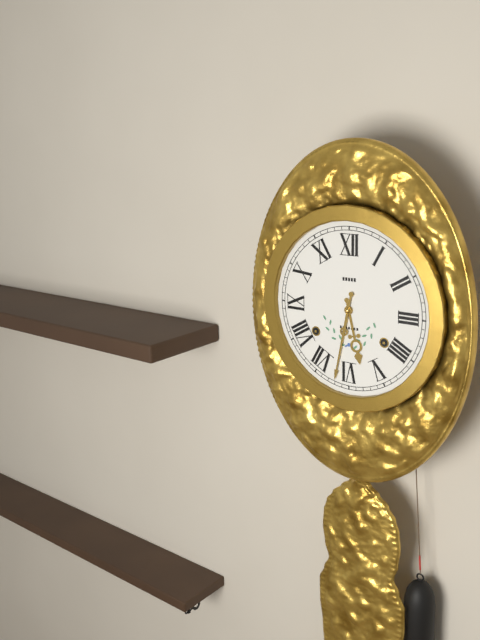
5:32
